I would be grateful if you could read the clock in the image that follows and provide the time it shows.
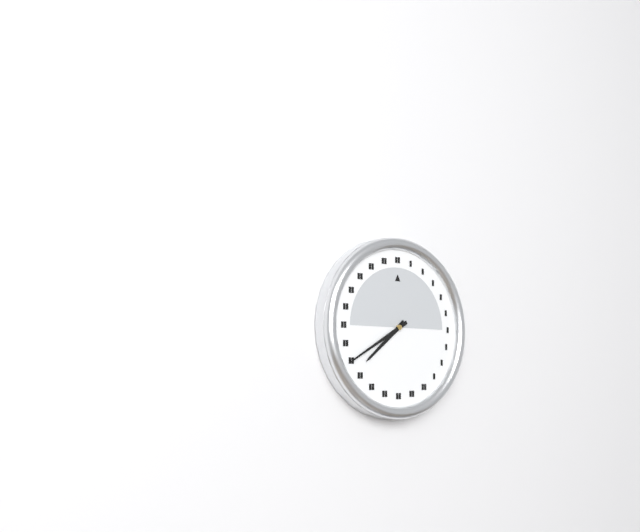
7:40
